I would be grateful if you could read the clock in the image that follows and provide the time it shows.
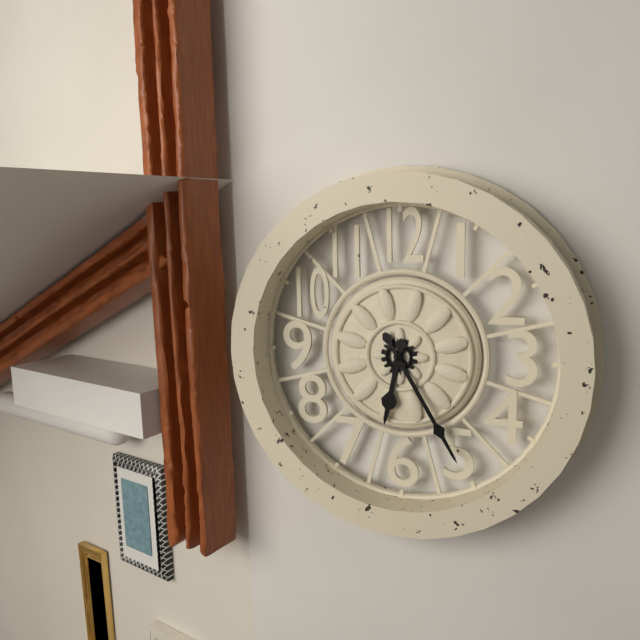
6:25
